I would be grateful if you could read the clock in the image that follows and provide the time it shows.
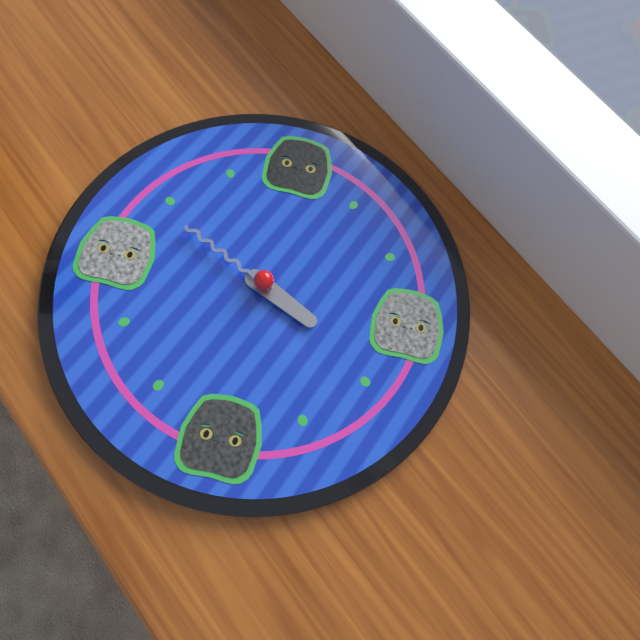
3:49
